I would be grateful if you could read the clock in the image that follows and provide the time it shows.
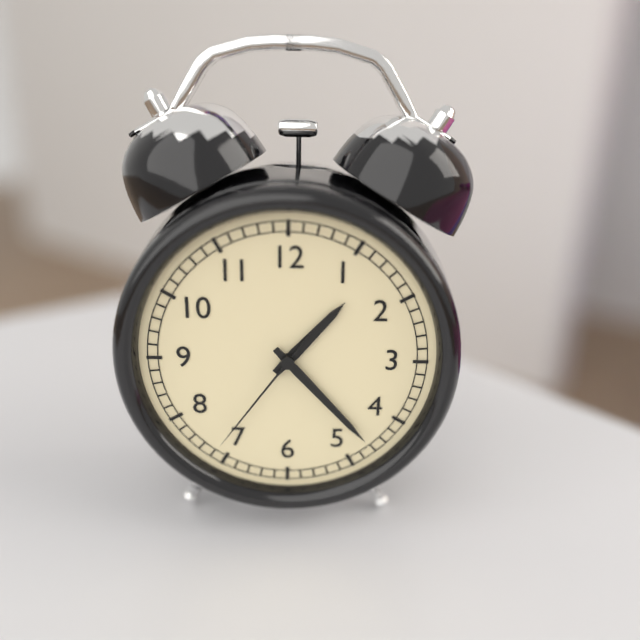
1:23:36
